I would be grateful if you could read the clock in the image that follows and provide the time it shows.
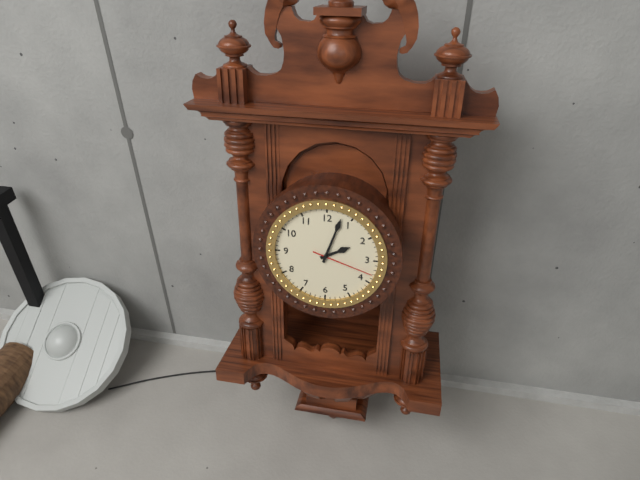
2:03:18
